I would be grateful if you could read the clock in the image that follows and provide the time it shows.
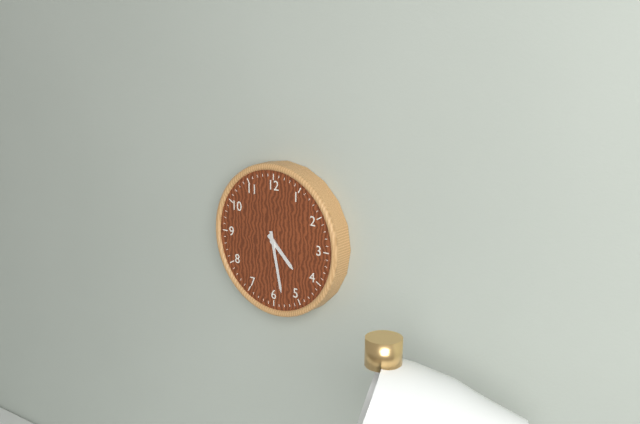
4:28
